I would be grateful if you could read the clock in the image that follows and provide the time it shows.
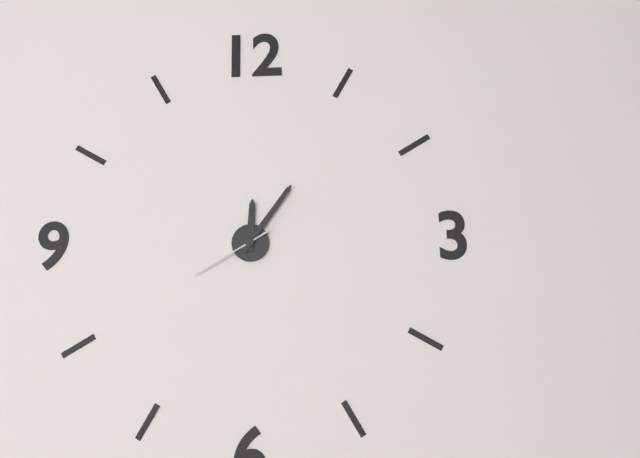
12:06:40
